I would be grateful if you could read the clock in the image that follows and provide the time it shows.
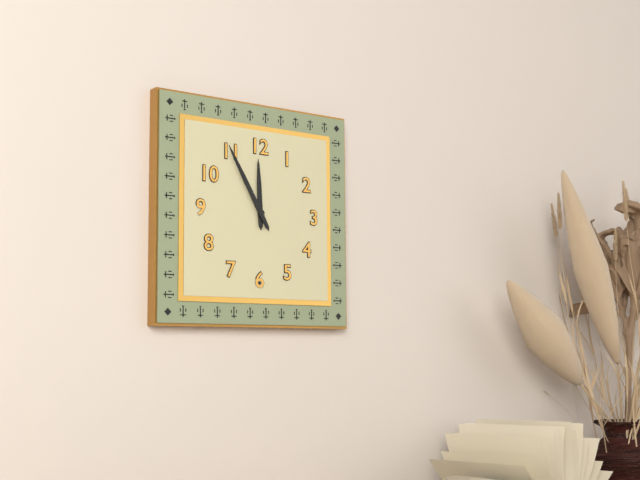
11:55
